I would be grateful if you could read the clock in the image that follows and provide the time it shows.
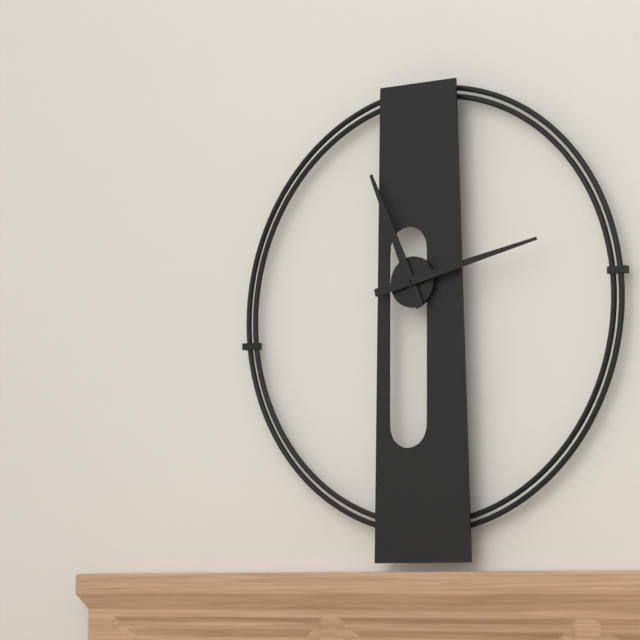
11:13
